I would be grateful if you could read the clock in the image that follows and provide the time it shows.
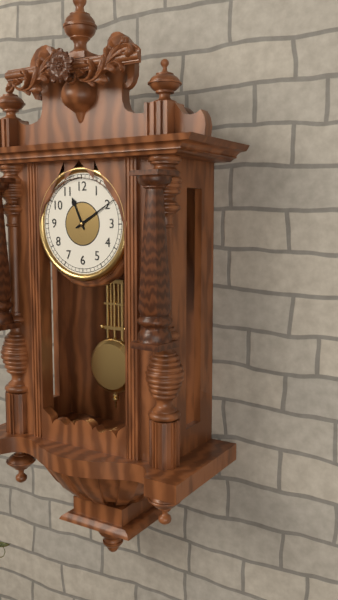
11:10
